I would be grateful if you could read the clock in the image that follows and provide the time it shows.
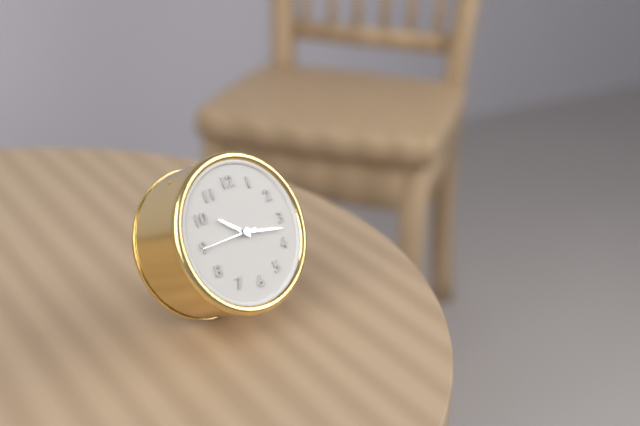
10:17:45
